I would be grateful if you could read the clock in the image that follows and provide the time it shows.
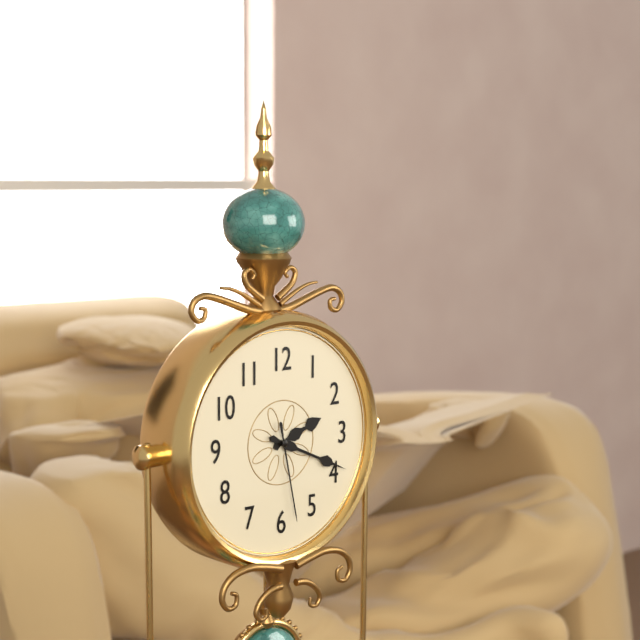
2:19:28
